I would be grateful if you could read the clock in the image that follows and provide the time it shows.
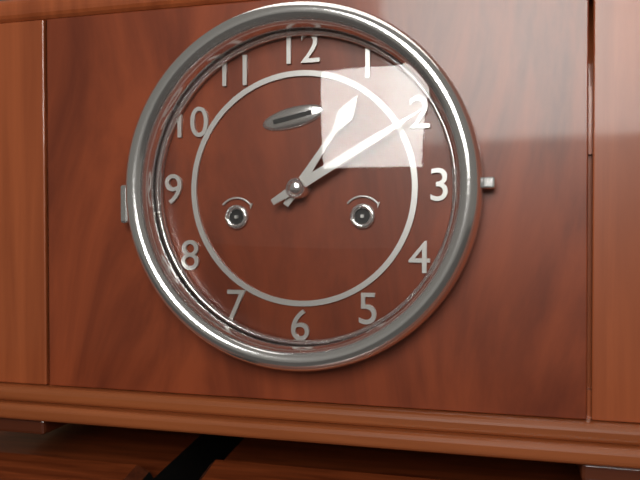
1:10
